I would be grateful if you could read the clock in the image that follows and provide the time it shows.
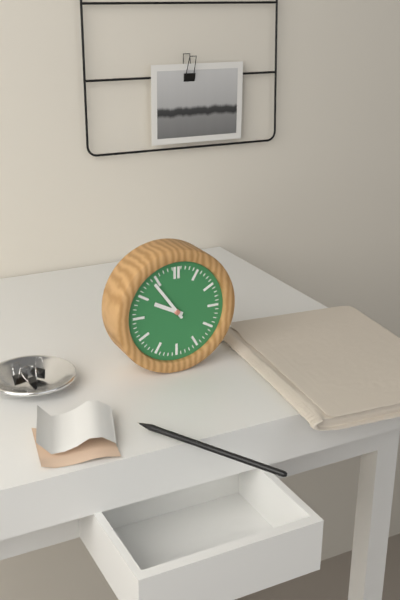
9:54
